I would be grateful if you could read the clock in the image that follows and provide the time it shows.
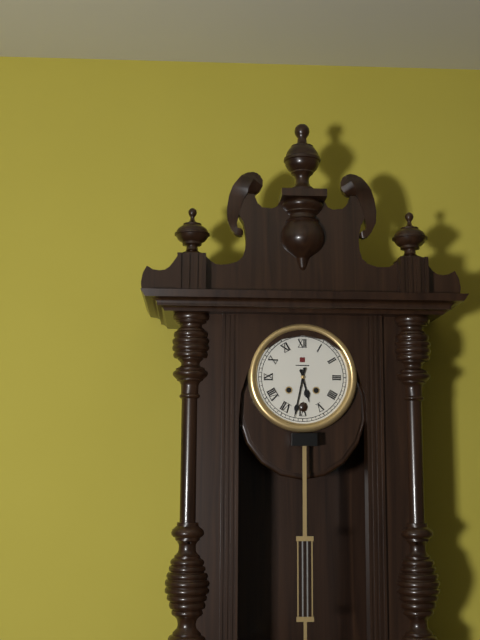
5:32
